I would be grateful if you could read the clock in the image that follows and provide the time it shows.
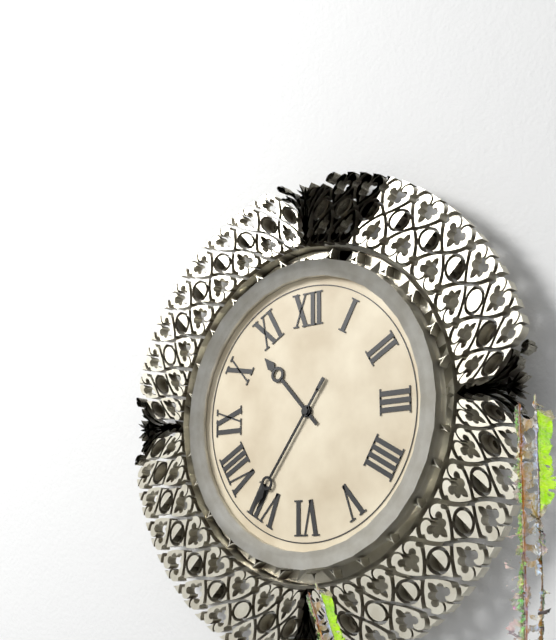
10:36
